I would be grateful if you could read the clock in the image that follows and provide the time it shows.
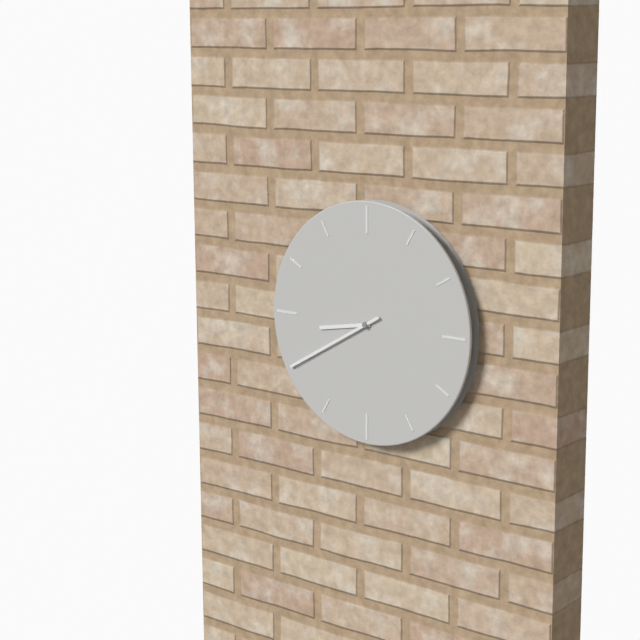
8:40
